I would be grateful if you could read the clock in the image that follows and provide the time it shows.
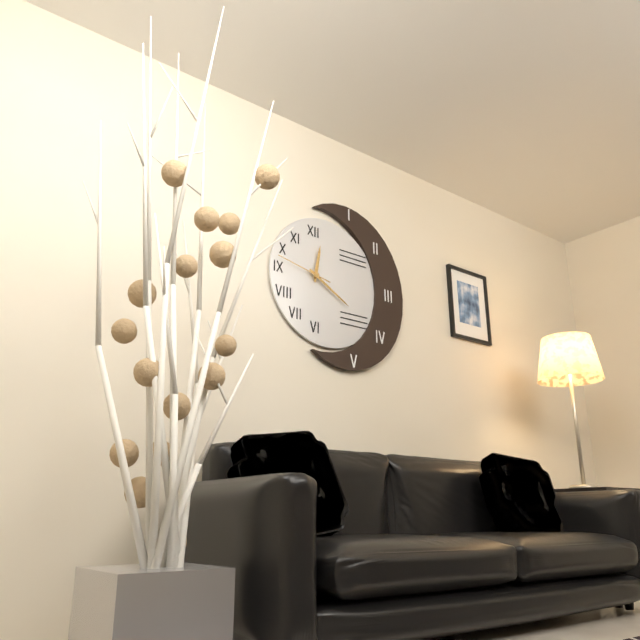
12:20:47
